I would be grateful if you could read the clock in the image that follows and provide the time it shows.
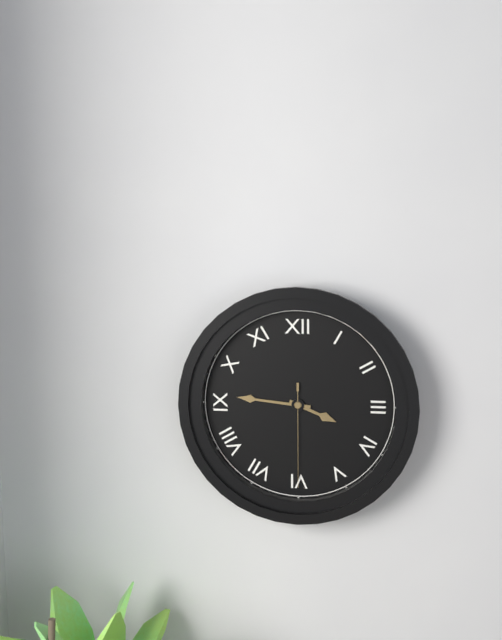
3:46:30
